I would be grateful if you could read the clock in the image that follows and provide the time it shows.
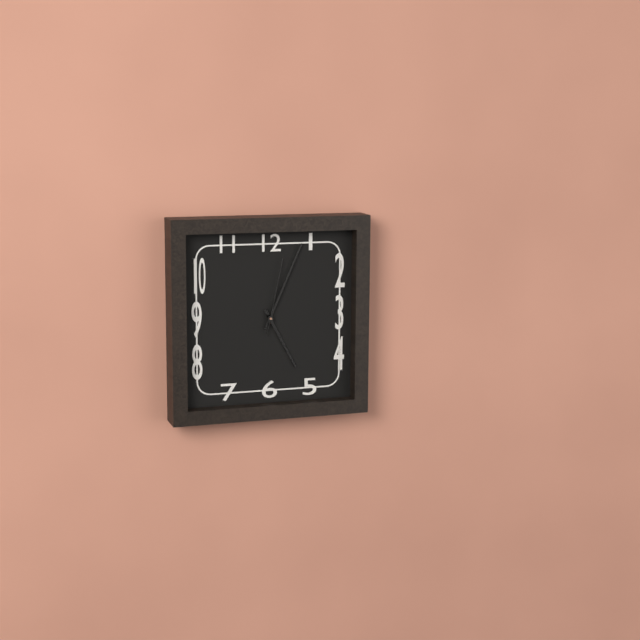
5:04:02
